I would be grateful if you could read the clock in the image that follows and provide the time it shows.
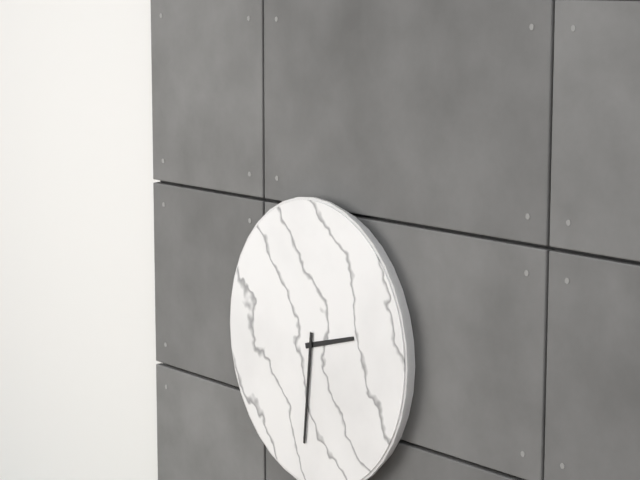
2:31
